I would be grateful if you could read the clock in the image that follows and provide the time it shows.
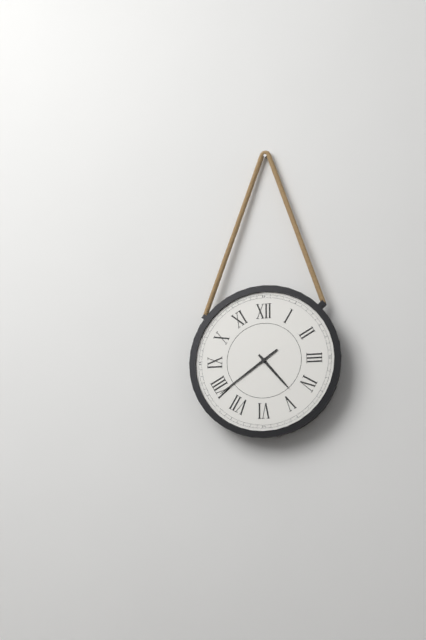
4:39
